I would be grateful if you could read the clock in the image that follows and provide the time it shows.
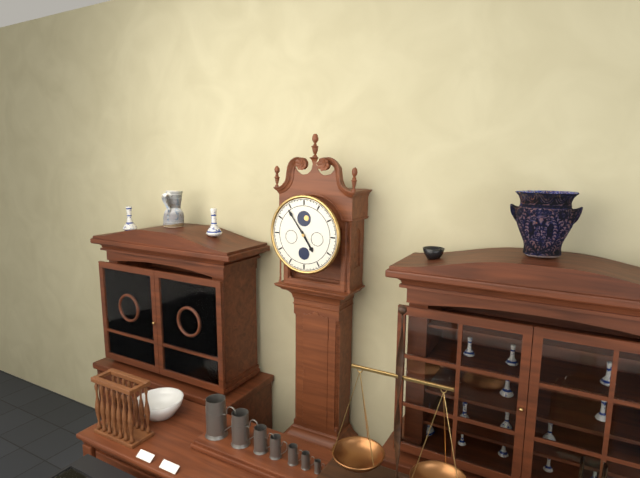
4:54
